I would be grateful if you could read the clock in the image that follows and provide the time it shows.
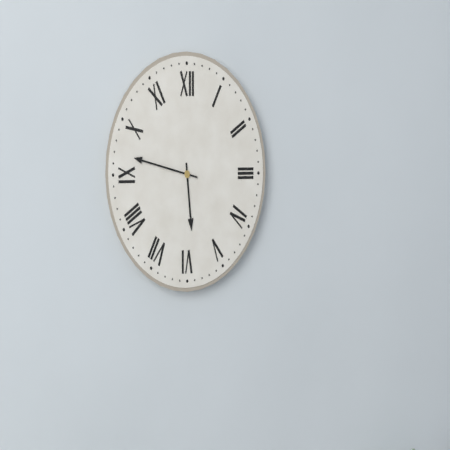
5:47
